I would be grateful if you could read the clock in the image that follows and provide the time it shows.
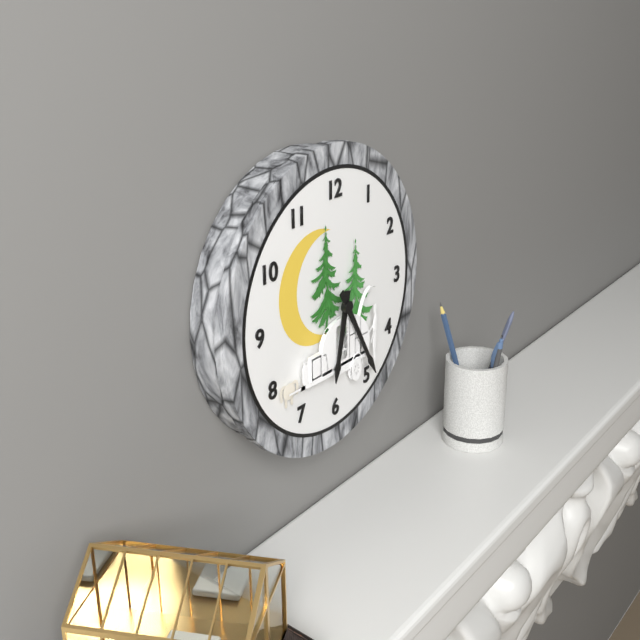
6:25
